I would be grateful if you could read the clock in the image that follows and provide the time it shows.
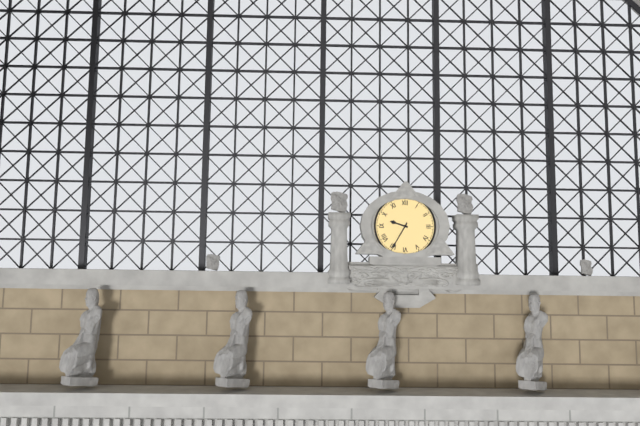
9:35
